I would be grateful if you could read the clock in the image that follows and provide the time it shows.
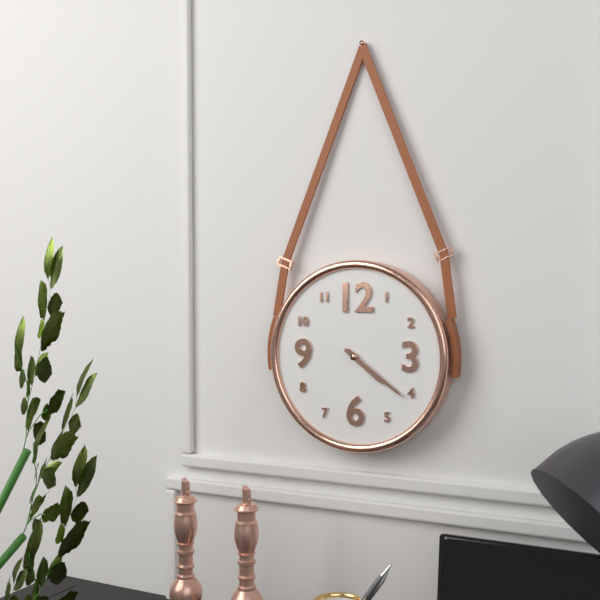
4:21
